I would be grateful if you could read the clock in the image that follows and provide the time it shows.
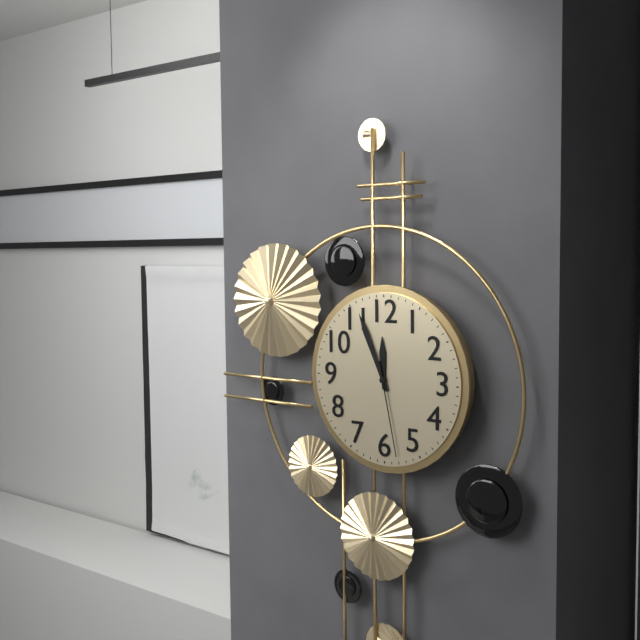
11:56:28
